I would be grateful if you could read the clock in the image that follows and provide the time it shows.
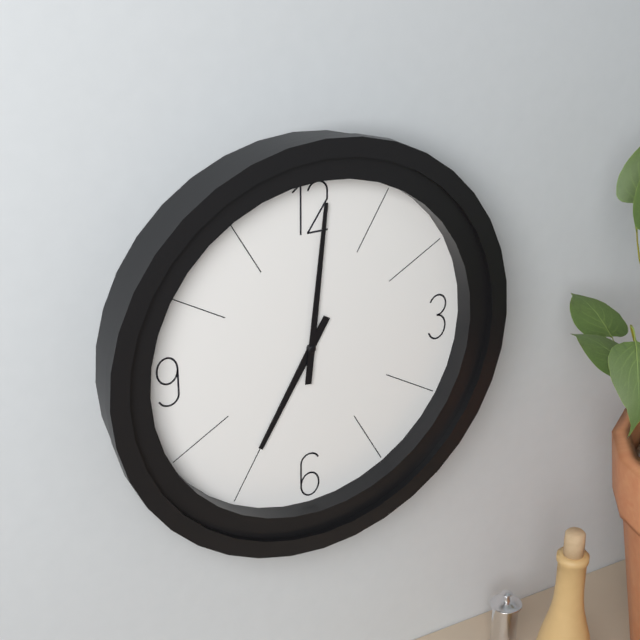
7:01
